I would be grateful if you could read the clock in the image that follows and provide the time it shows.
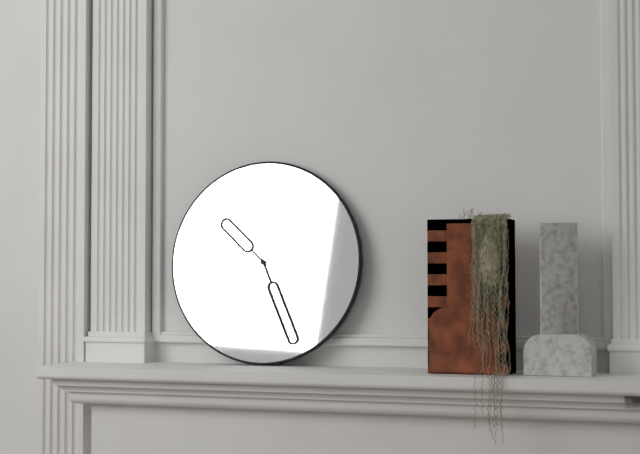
10:26
